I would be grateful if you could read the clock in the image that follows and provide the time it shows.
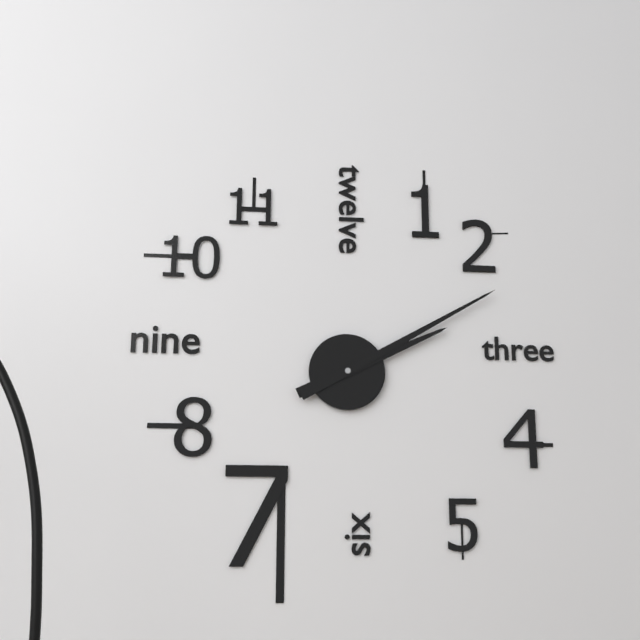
2:10
